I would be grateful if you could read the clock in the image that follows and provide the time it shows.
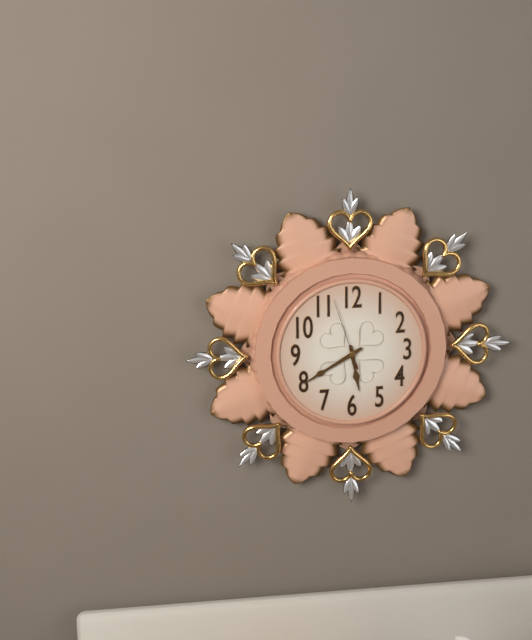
5:40:57
